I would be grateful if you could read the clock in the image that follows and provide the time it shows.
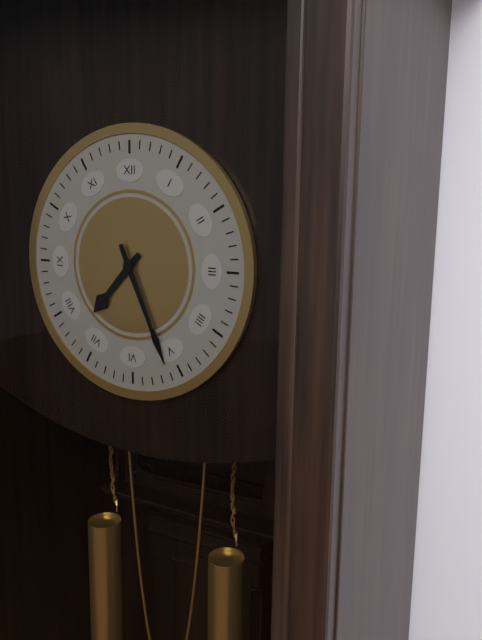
7:26
